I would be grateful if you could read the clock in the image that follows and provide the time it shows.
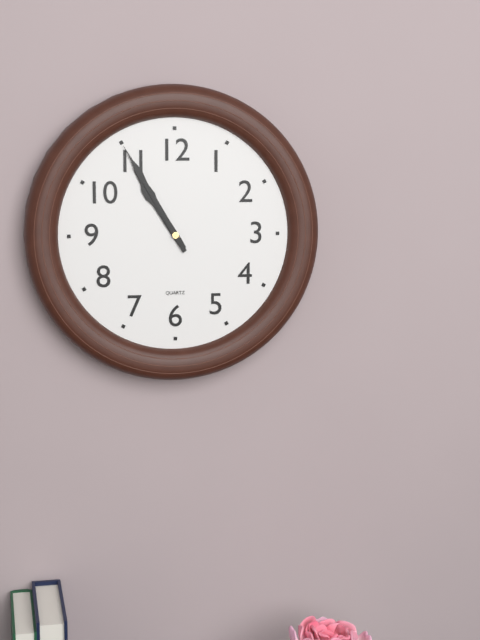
10:55
